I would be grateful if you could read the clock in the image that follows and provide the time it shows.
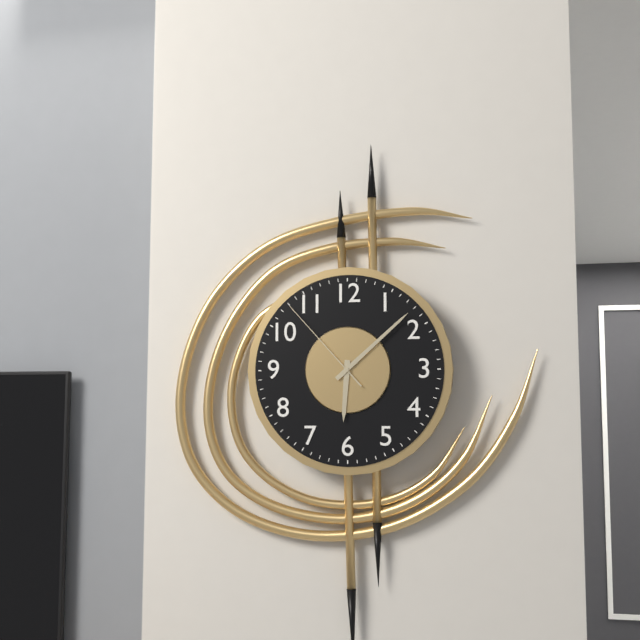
6:08:53
